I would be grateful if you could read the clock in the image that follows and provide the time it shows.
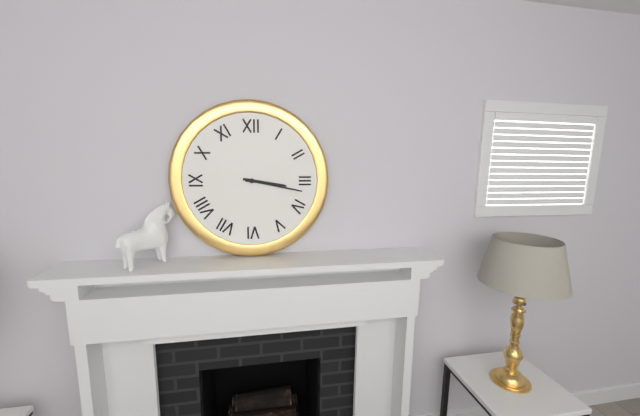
3:17
